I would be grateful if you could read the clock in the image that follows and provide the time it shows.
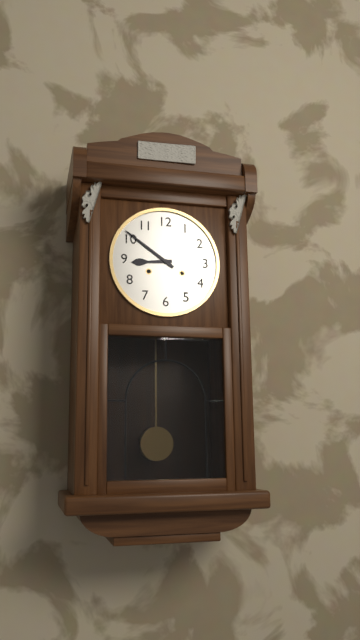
8:51
